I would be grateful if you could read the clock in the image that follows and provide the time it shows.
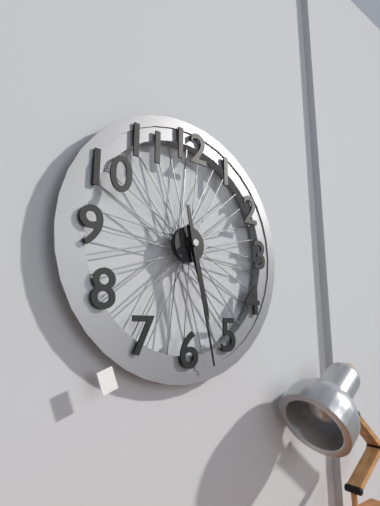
5:28
